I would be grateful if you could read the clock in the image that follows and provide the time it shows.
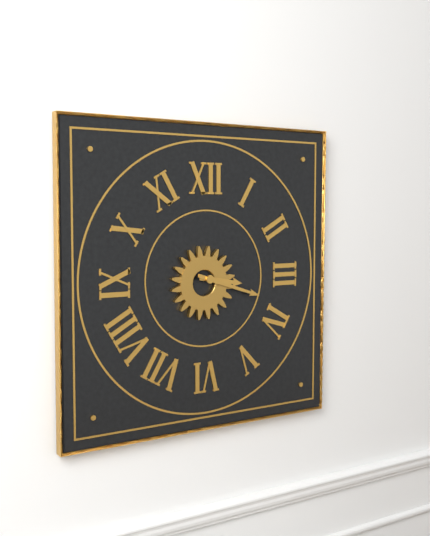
3:18
